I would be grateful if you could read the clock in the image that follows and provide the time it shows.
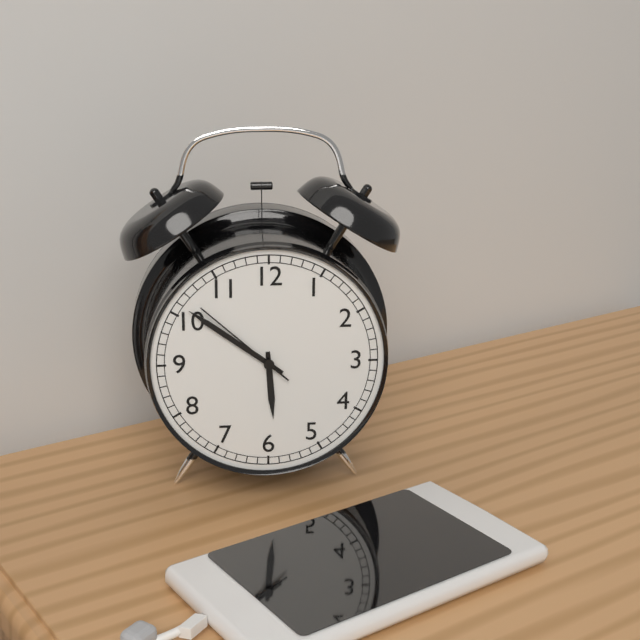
5:51:52
